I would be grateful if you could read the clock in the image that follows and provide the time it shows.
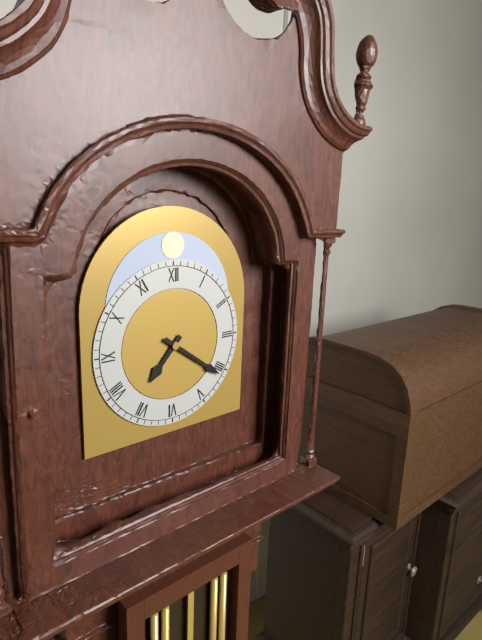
7:21
